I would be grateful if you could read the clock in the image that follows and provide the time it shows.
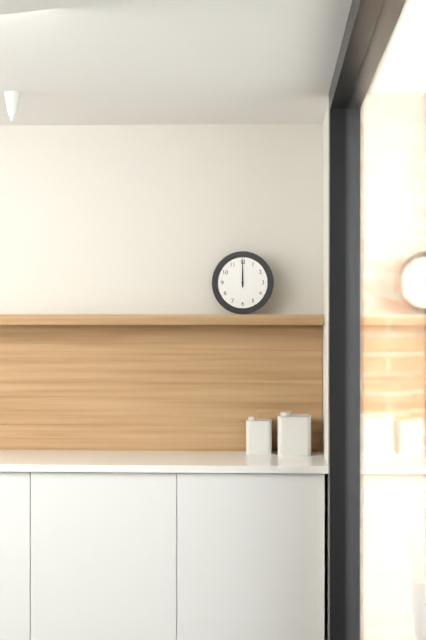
12:00
